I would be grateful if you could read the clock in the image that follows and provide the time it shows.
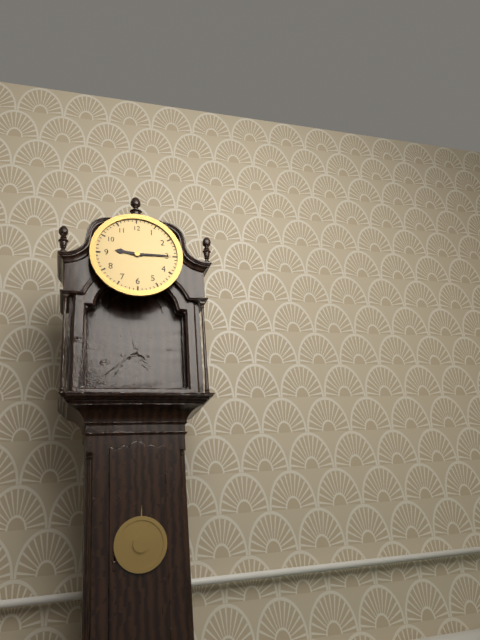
9:15
